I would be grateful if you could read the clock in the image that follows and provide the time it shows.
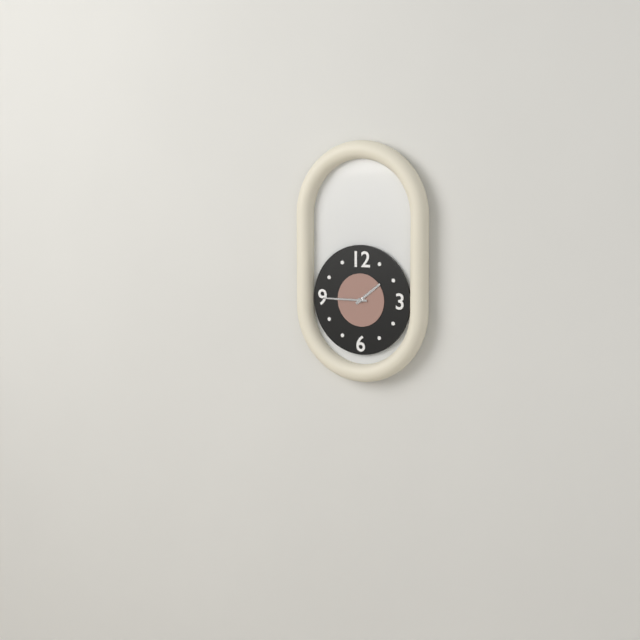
1:45
